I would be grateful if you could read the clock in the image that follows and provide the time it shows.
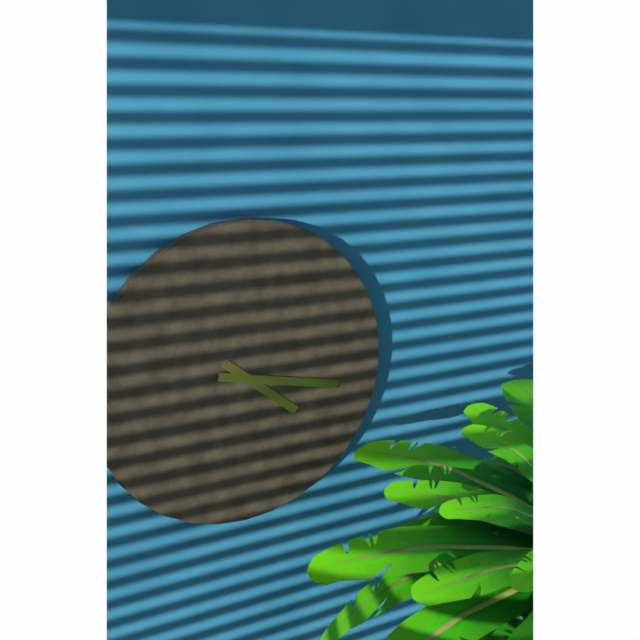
4:17
